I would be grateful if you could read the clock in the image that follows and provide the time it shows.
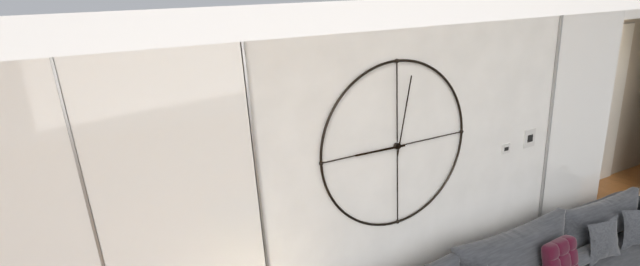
9:02
